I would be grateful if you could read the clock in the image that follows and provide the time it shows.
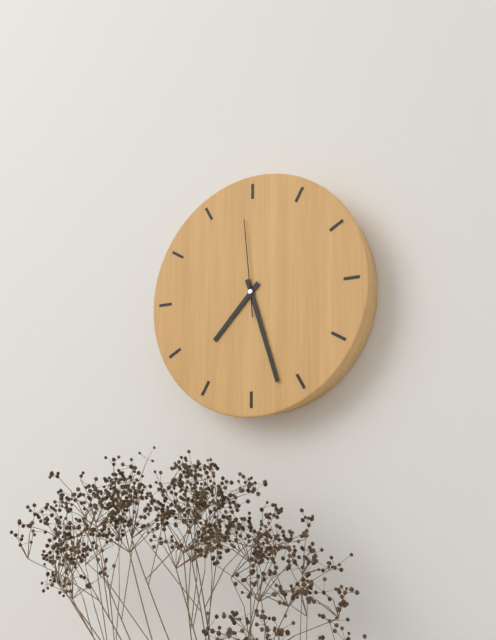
7:27:59
